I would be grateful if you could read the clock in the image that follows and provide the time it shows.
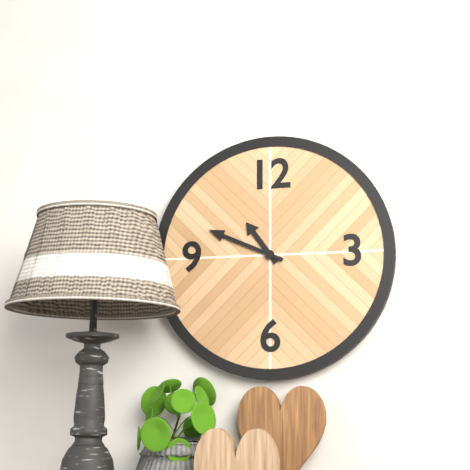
10:49
